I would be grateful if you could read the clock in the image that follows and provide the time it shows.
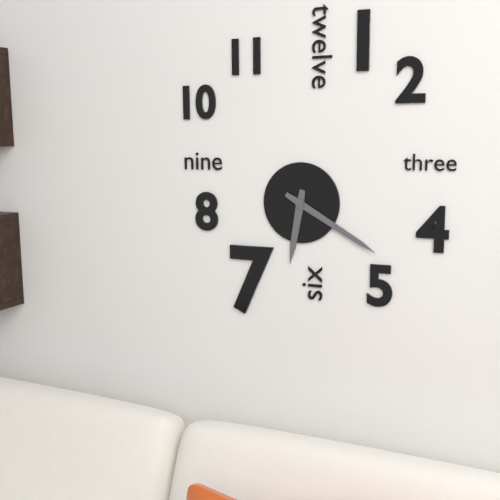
6:20
